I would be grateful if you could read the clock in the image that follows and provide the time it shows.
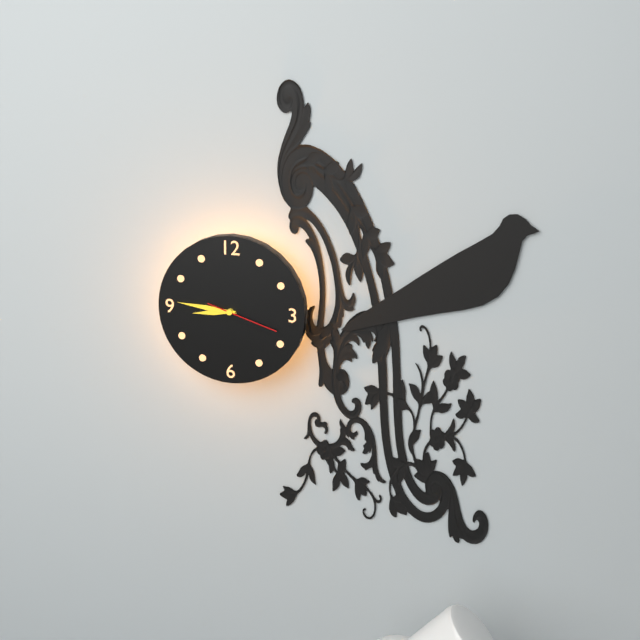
8:46:18
